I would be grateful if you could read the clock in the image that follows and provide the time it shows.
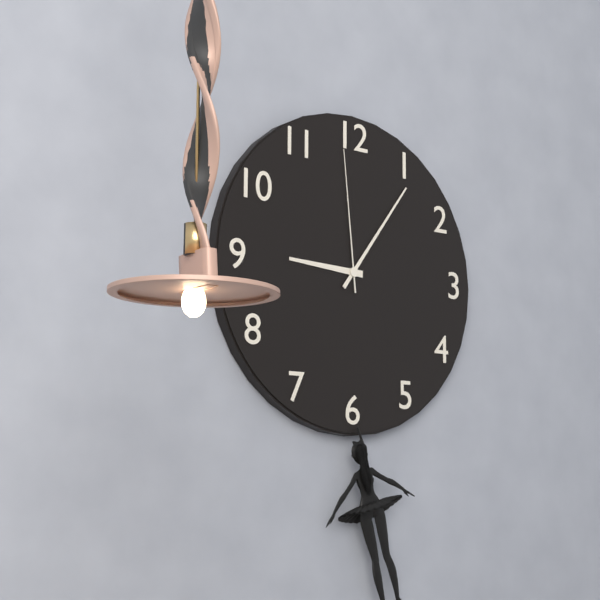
9:06:59
